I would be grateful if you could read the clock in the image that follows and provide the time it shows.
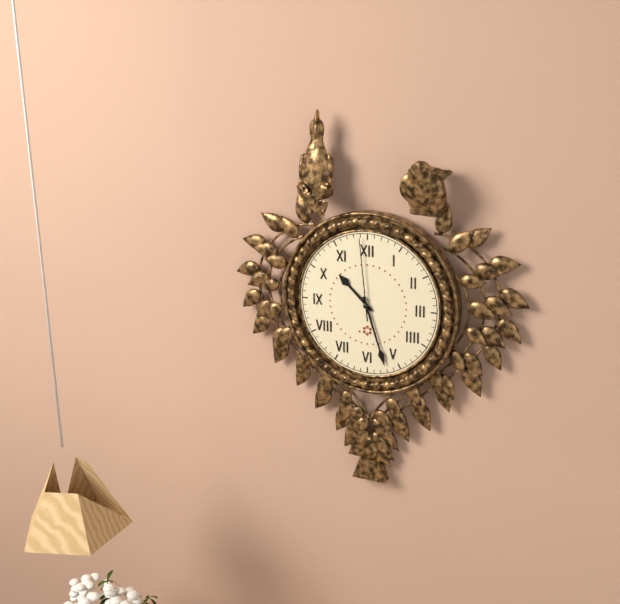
10:27:59
